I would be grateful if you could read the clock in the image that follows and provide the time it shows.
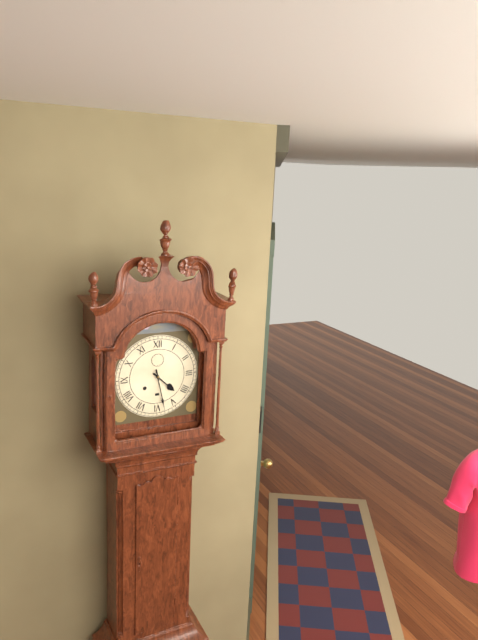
4:28
